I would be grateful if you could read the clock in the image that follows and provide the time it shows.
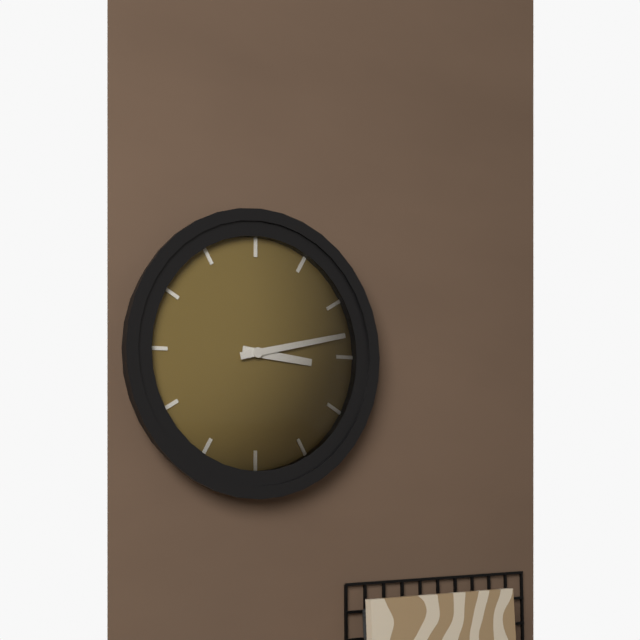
3:13
